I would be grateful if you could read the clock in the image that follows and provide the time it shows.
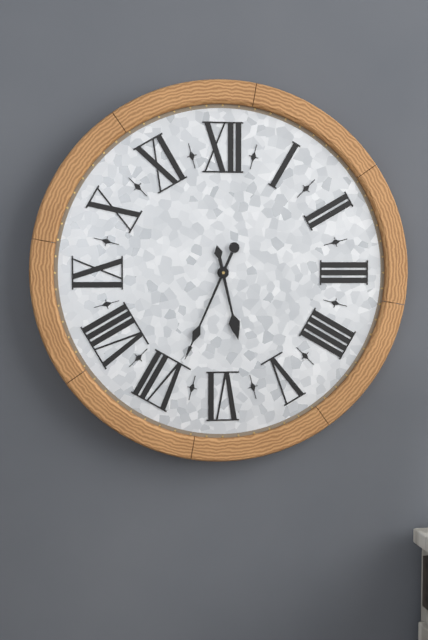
5:34
